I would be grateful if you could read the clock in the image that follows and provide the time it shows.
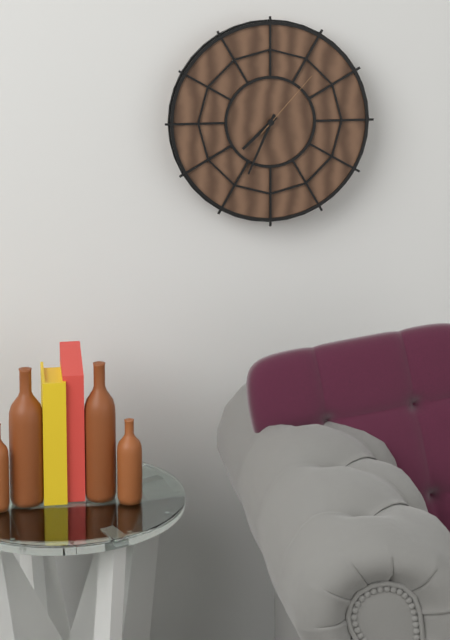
7:34:07
